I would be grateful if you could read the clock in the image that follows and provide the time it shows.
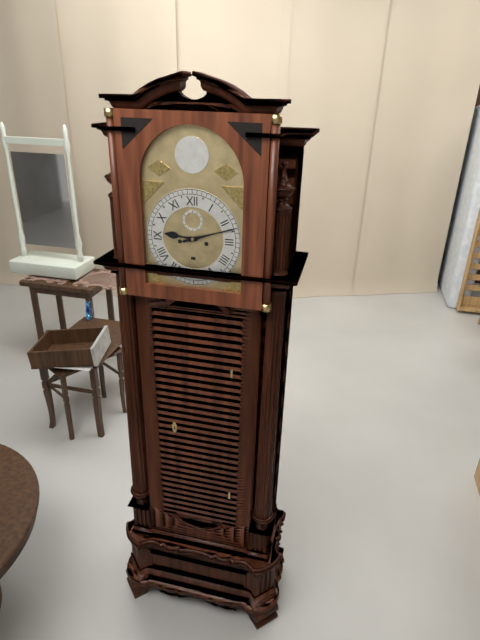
9:12
